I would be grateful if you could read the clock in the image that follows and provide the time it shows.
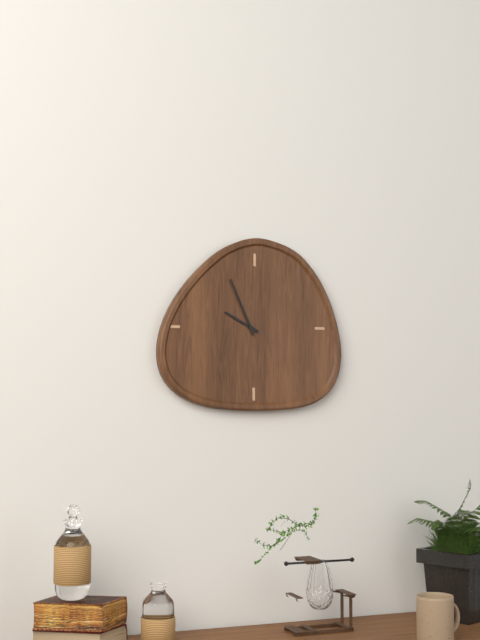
9:56
